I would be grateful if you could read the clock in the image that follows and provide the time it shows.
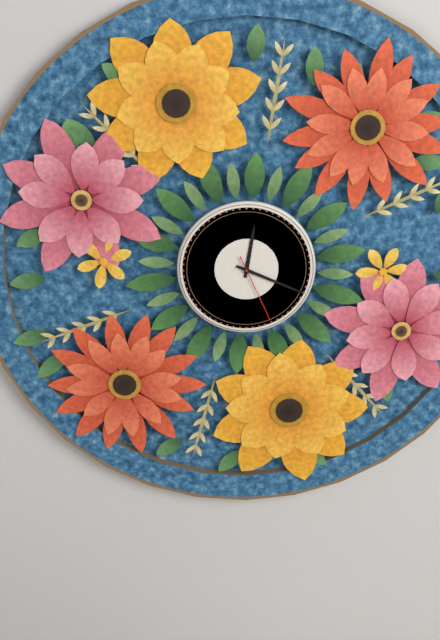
12:19:26
